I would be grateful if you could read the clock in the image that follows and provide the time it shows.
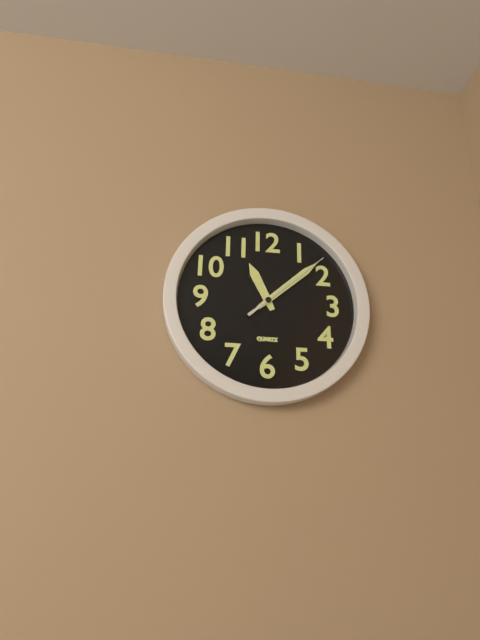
11:08:08
